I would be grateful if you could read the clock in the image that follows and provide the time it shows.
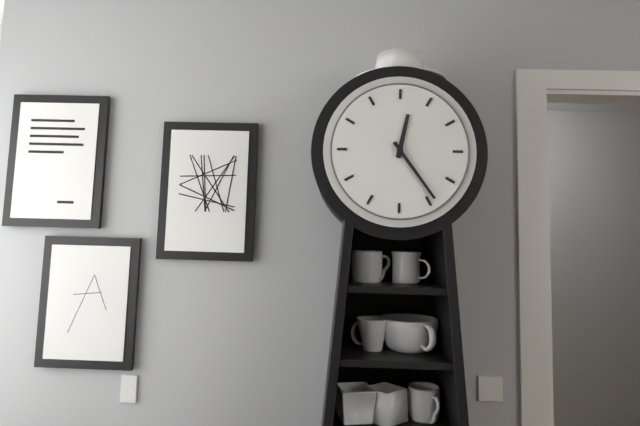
12:24
